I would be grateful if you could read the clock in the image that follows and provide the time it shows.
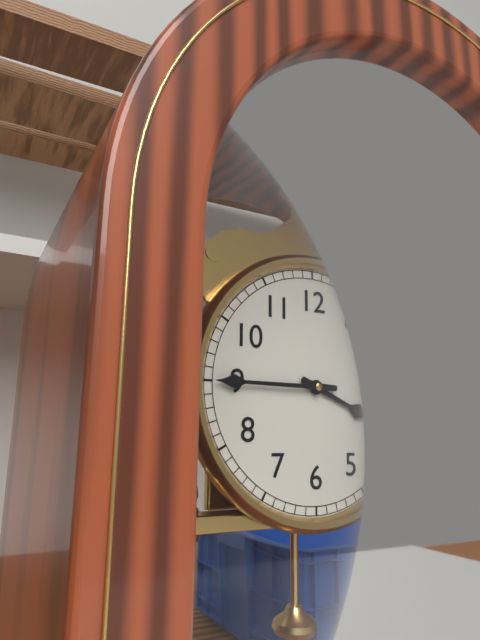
3:45
